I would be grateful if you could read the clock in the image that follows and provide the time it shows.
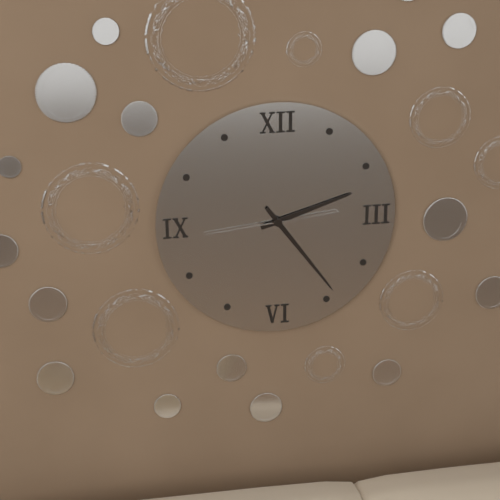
2:24:44
